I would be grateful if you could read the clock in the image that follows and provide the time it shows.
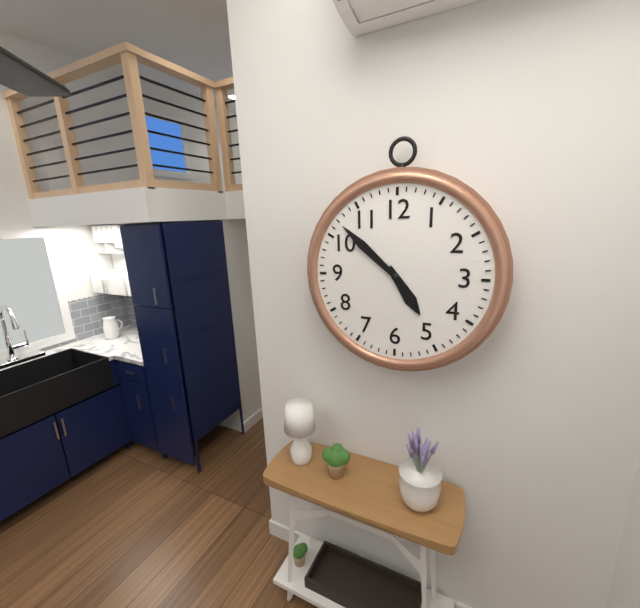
4:52
